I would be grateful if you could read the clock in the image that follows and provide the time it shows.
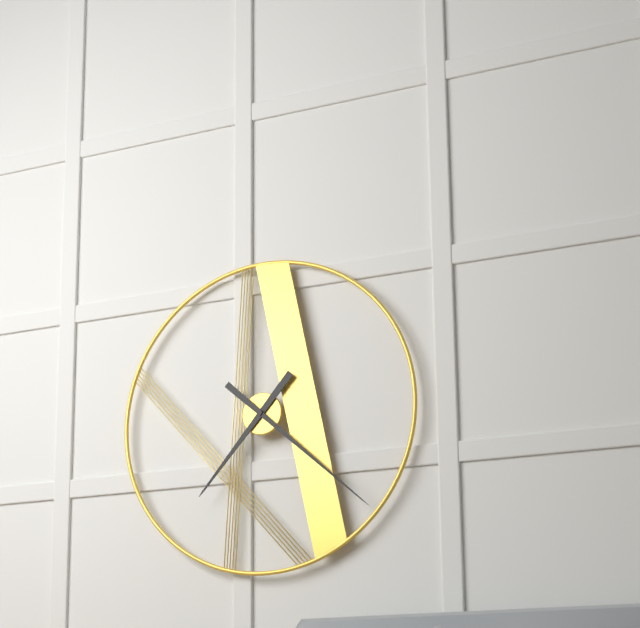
7:22
